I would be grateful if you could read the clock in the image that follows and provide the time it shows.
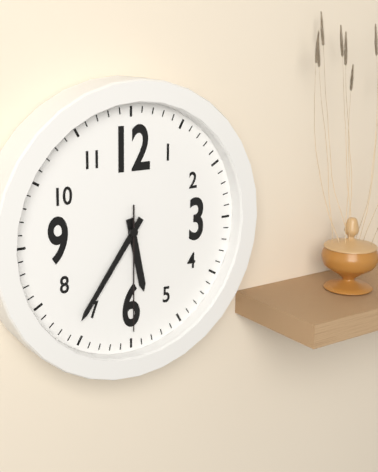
5:36:30
